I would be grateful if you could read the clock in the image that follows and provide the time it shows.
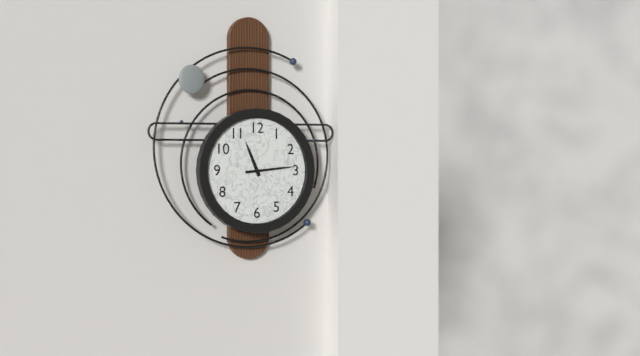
11:14
